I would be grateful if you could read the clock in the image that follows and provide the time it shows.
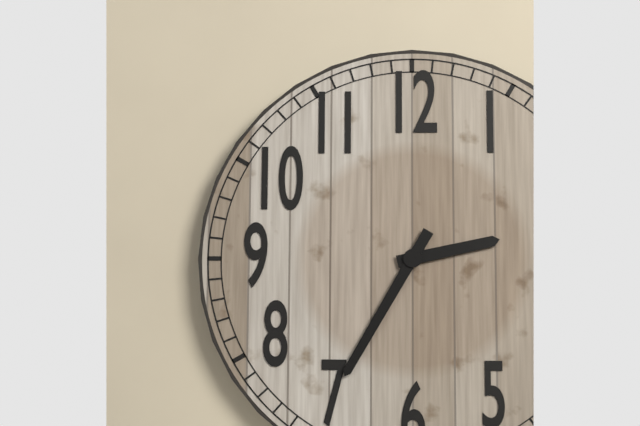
2:35
